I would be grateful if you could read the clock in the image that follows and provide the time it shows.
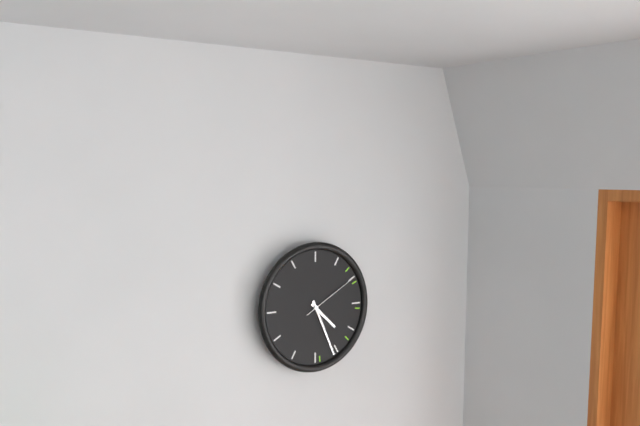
4:26:10
